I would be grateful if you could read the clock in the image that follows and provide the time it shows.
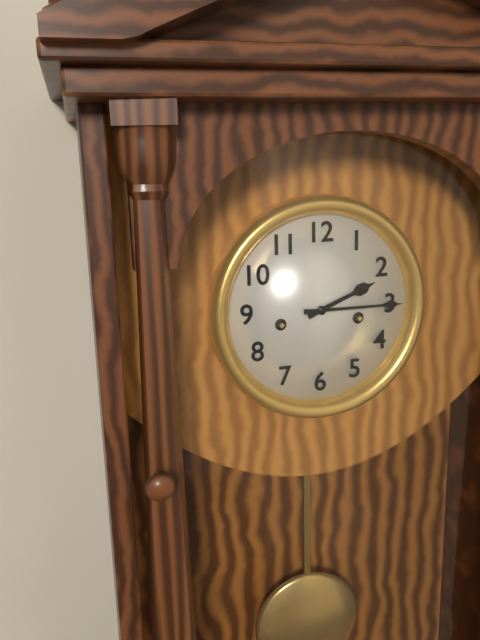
2:15
